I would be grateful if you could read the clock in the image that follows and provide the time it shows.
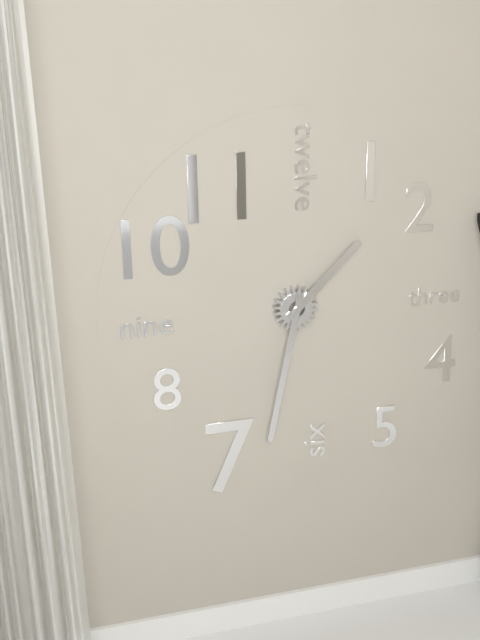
1:32
